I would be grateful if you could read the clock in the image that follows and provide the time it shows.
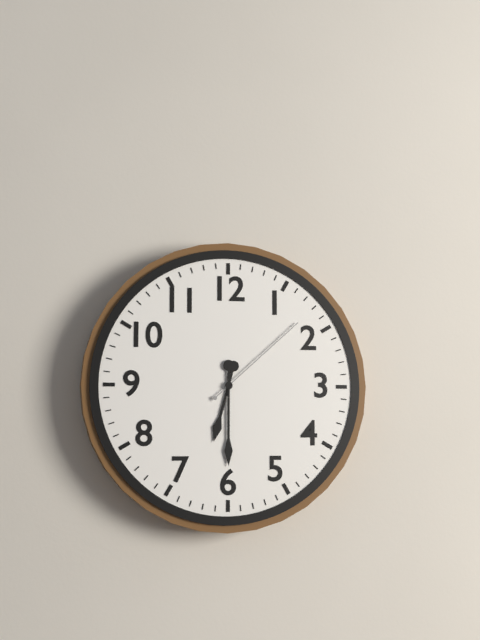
6:30:08
